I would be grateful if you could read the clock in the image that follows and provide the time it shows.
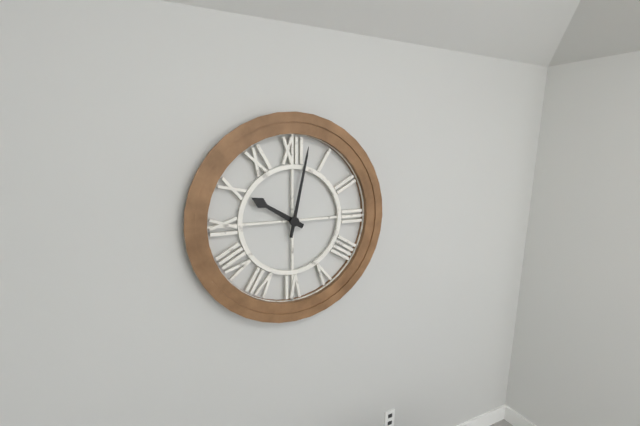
10:02
